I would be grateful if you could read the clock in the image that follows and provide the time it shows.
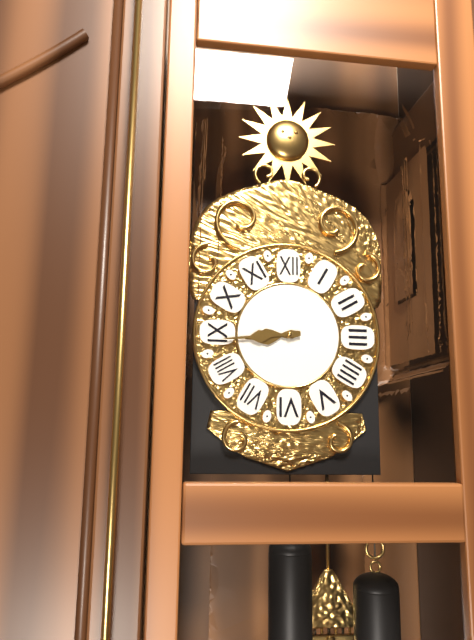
8:44
